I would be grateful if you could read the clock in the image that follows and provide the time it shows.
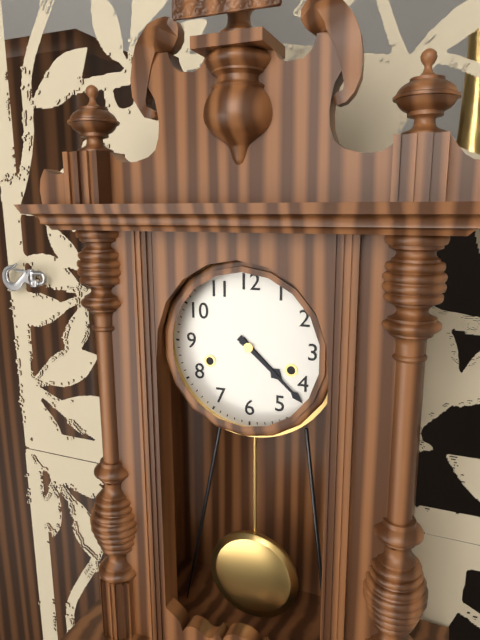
4:22
